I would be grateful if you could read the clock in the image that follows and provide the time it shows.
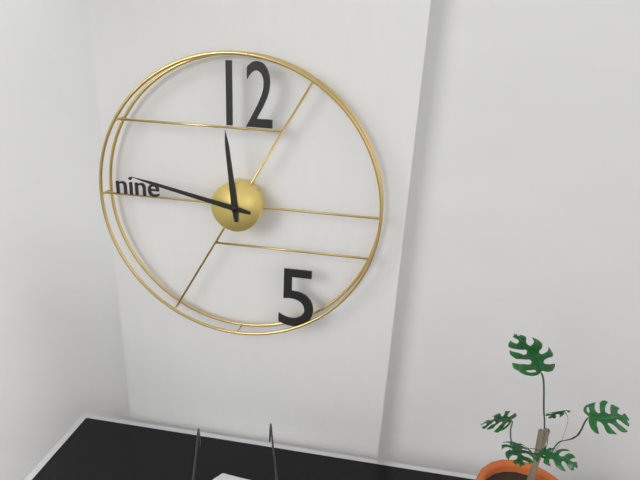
11:47
